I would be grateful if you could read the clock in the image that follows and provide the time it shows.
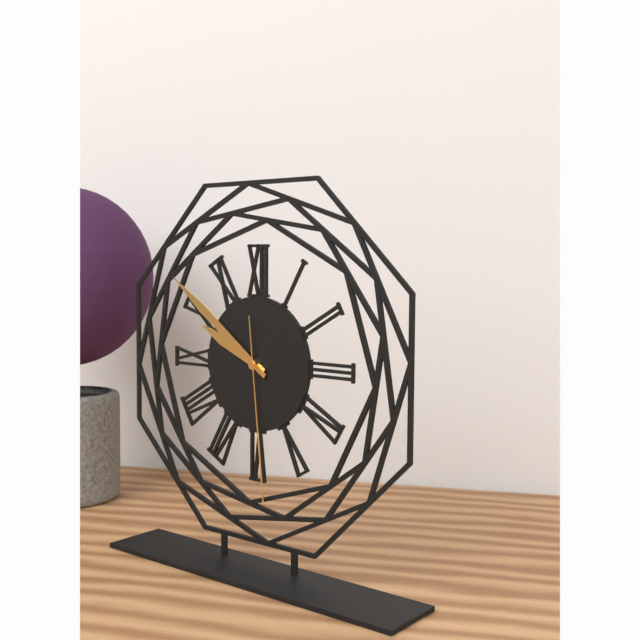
9:51:29
